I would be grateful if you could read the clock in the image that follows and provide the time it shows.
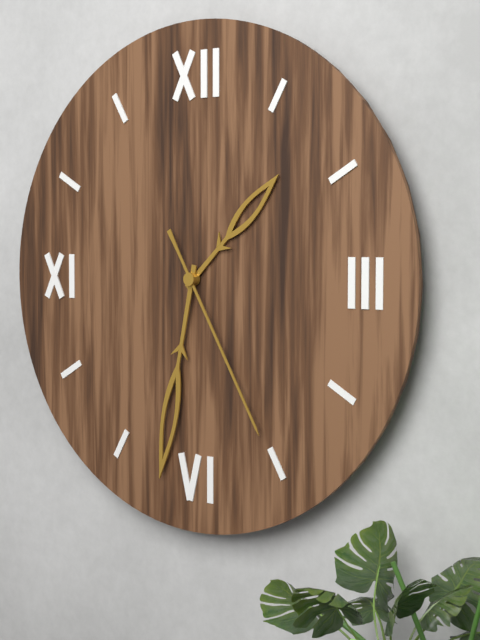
1:32:25
